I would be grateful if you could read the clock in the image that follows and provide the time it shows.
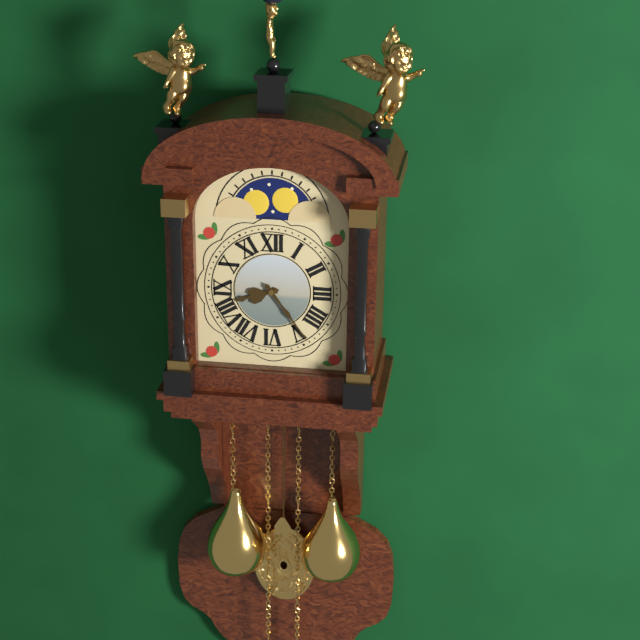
8:24
